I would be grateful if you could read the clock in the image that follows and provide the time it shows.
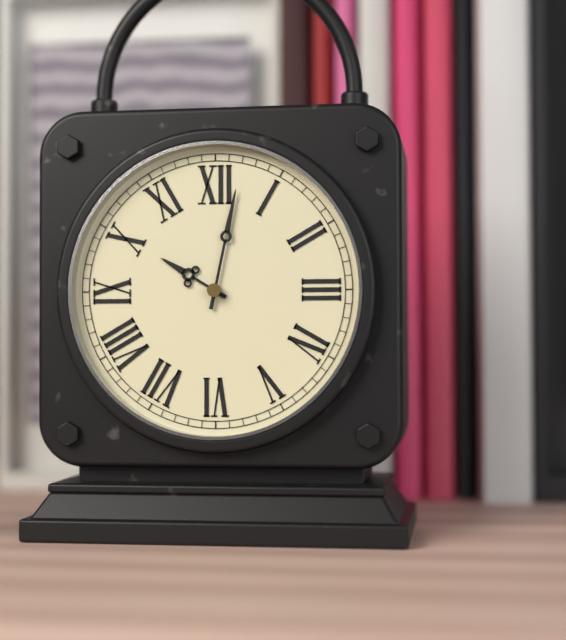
10:02
